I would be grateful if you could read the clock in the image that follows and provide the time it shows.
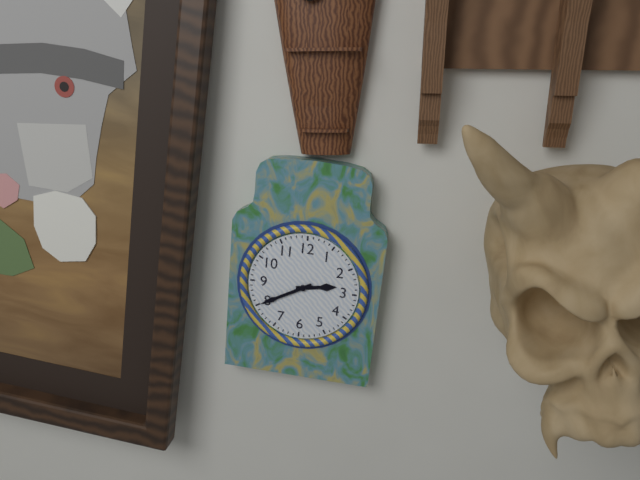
2:40
